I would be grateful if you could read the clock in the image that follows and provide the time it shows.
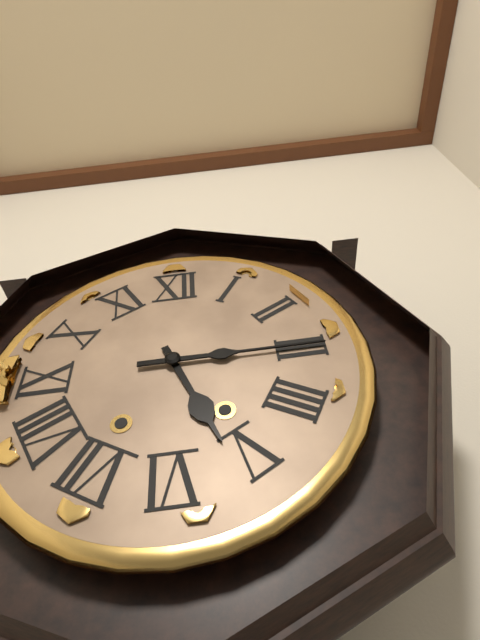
5:15
